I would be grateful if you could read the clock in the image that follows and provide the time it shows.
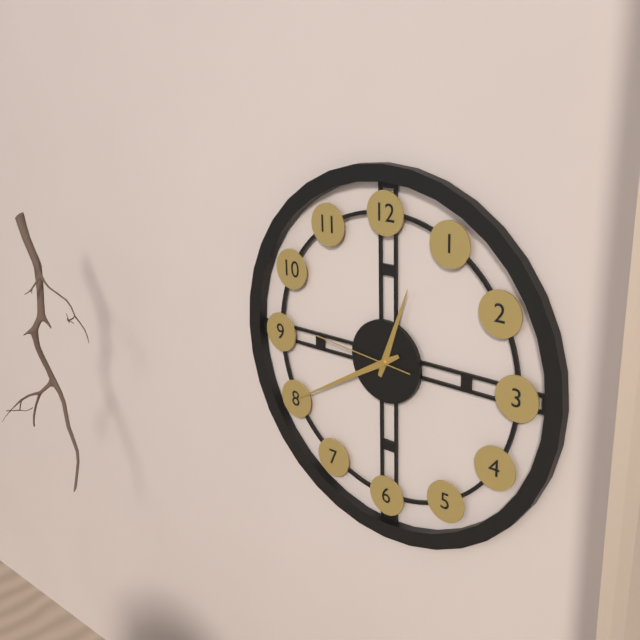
12:40:46
